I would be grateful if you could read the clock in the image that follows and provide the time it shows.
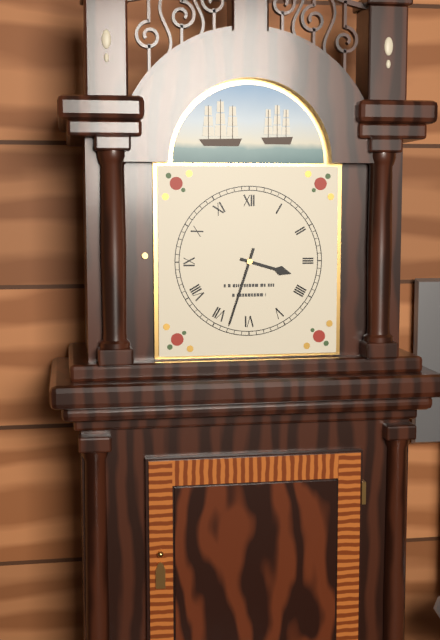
3:33
